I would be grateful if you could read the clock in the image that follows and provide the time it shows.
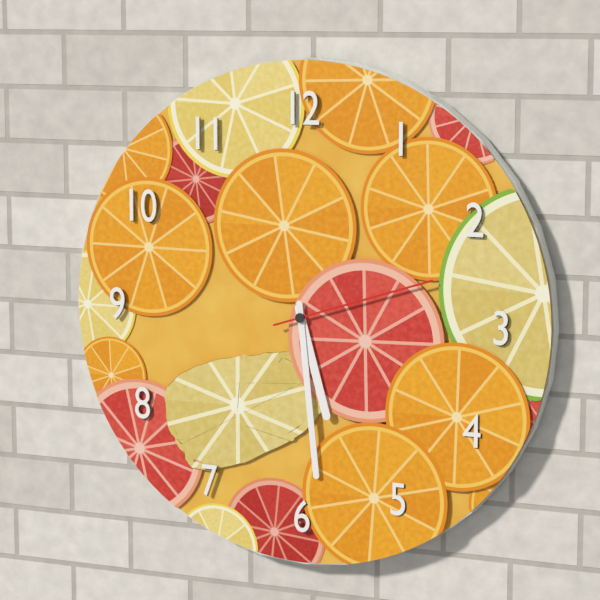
5:29:12
